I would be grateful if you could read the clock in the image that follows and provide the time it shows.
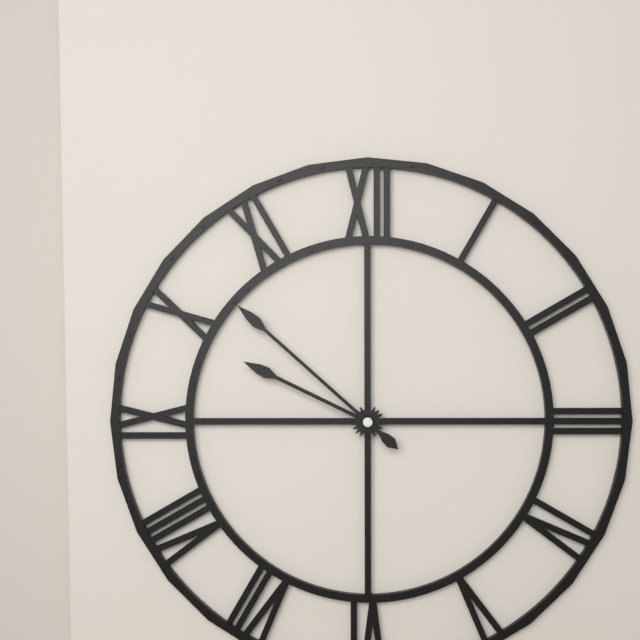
9:52
